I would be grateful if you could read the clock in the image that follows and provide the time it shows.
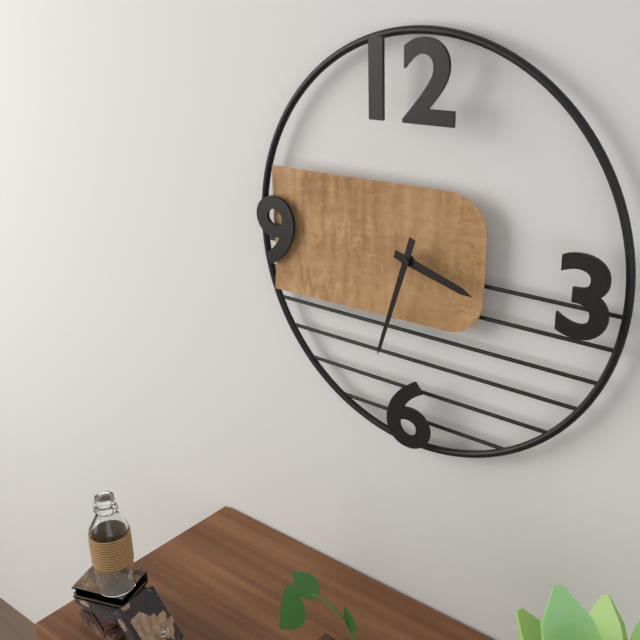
3:33
